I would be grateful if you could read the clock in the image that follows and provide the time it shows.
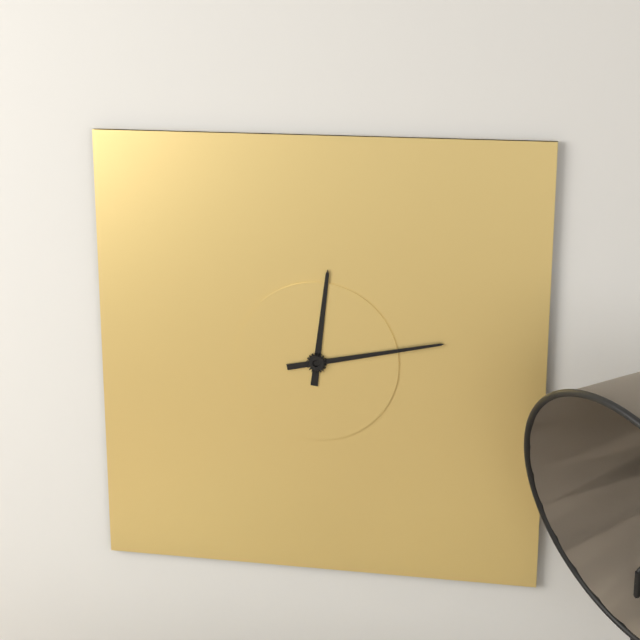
12:13
